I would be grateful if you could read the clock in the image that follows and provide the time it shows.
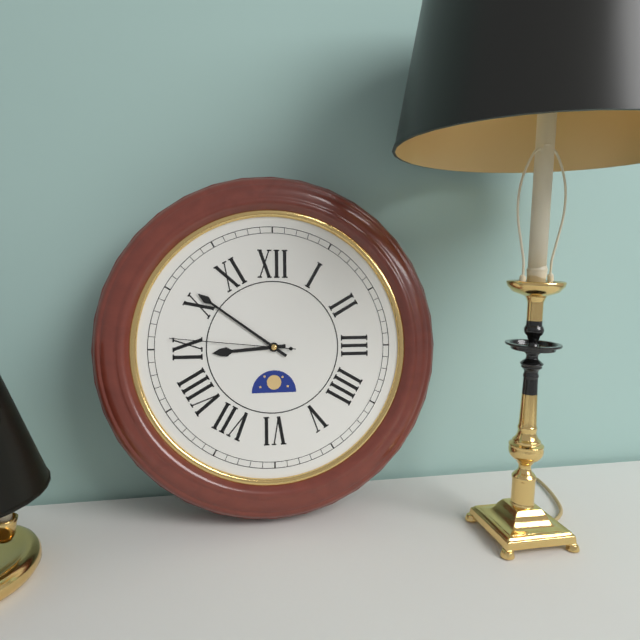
8:51:46
